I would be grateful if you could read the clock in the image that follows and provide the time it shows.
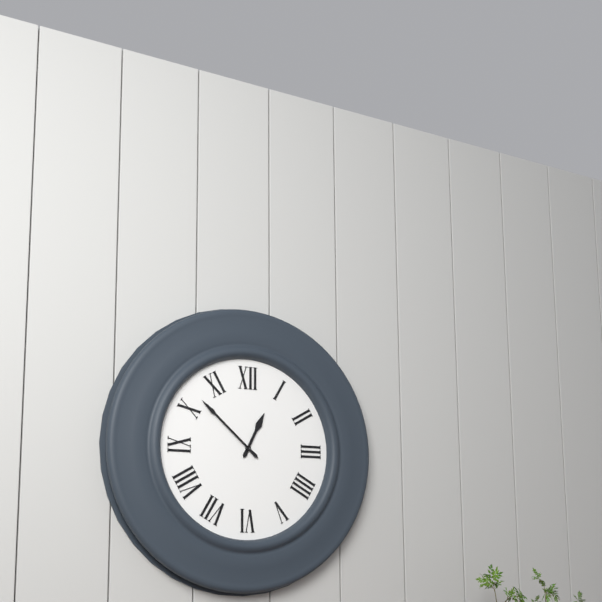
12:52
